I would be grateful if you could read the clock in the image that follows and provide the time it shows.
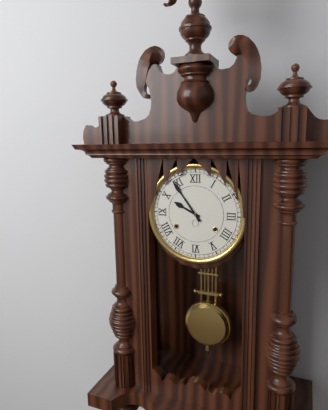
9:54
